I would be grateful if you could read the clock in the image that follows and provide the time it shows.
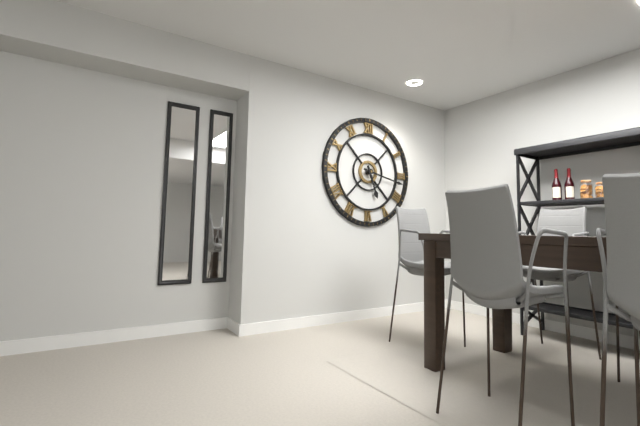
5:17
